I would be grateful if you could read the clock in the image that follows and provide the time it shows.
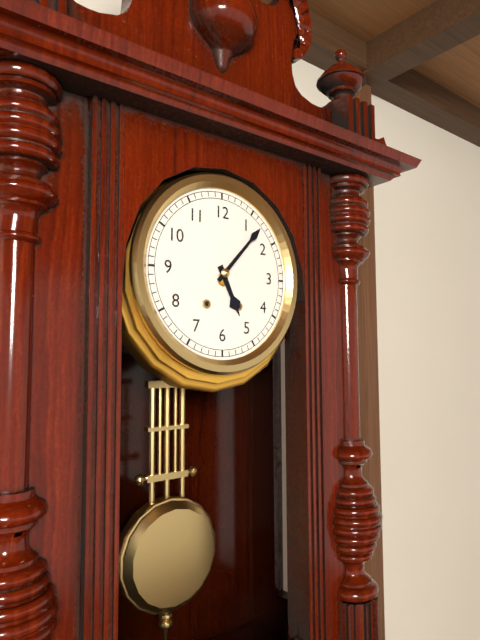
5:07
